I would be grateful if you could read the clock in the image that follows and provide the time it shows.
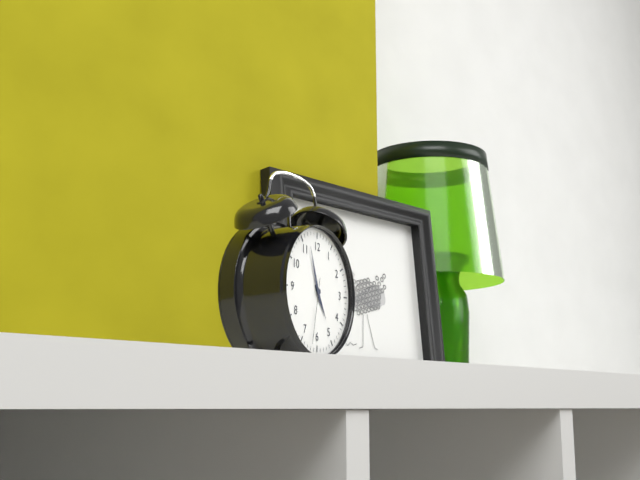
4:57:32
